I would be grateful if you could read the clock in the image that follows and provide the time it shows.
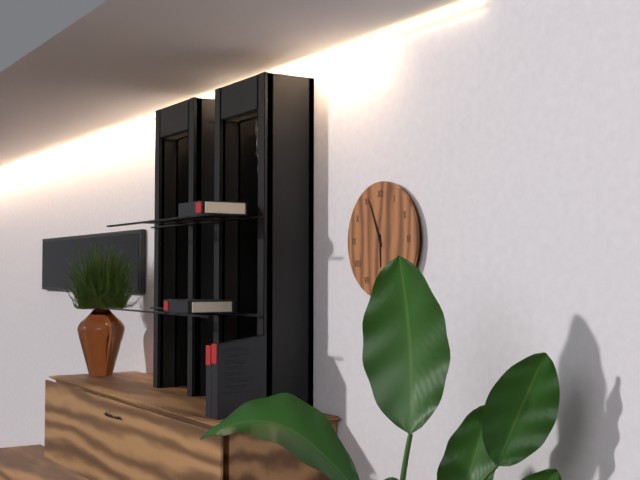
5:56
